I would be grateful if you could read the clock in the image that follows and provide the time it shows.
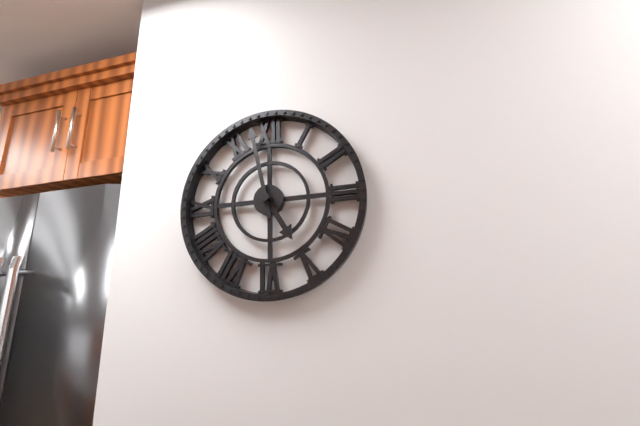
4:58
